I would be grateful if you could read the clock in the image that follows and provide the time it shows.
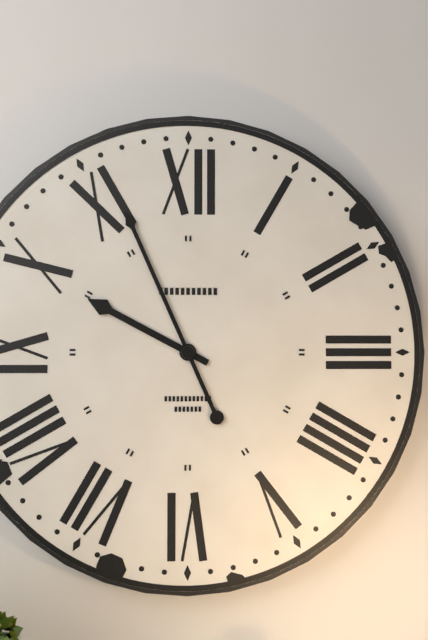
9:56
